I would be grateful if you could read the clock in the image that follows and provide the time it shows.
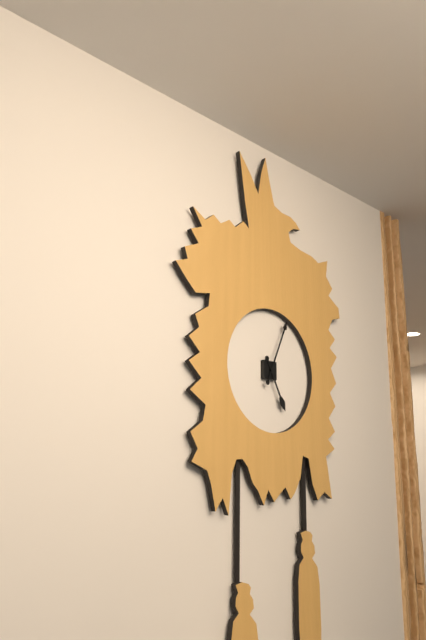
5:04
